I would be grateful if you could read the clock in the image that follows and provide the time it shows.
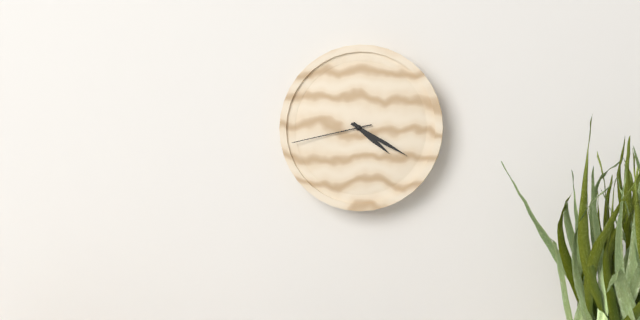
4:20:43
